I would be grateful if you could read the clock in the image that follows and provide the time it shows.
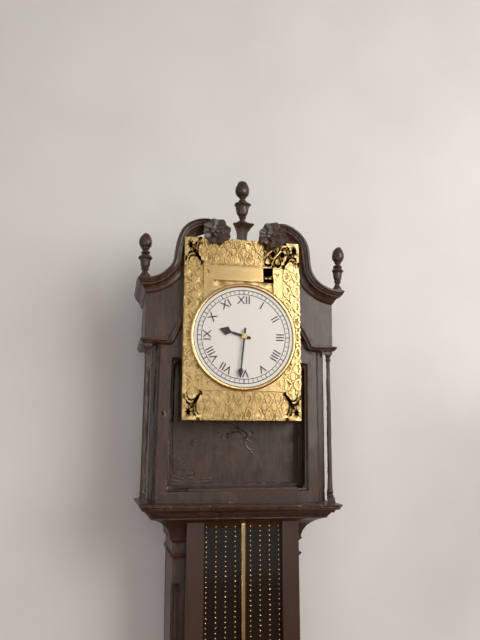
9:31
